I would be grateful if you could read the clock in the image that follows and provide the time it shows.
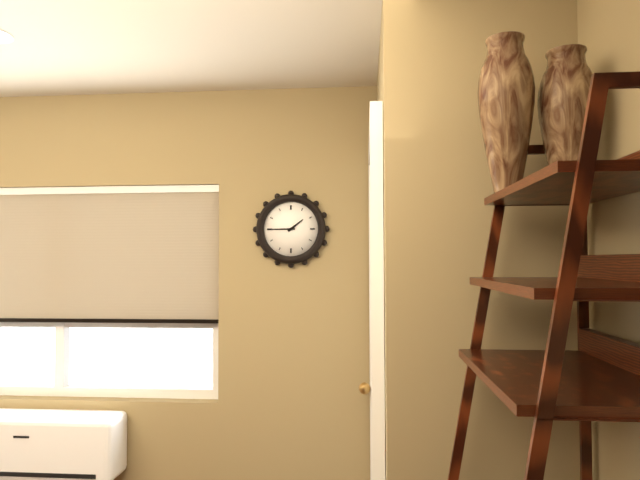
1:45
